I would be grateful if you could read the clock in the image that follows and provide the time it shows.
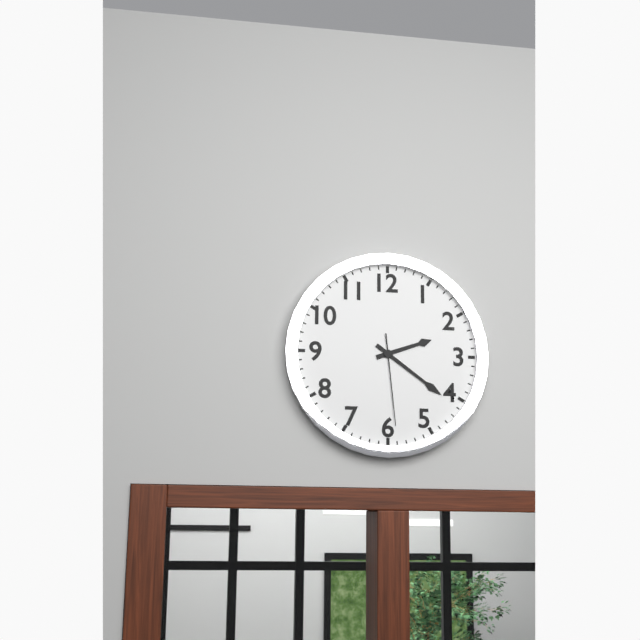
2:21:29
